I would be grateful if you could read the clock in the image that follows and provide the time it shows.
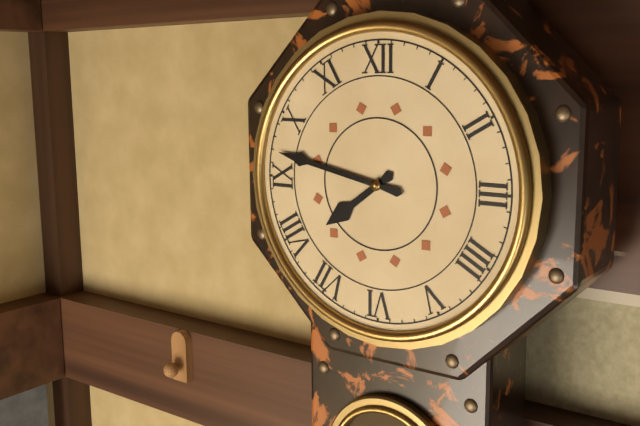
7:47
